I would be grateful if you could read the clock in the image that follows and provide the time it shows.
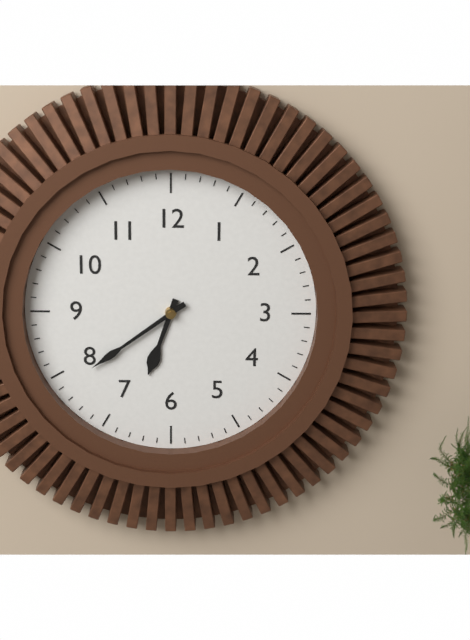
6:39
